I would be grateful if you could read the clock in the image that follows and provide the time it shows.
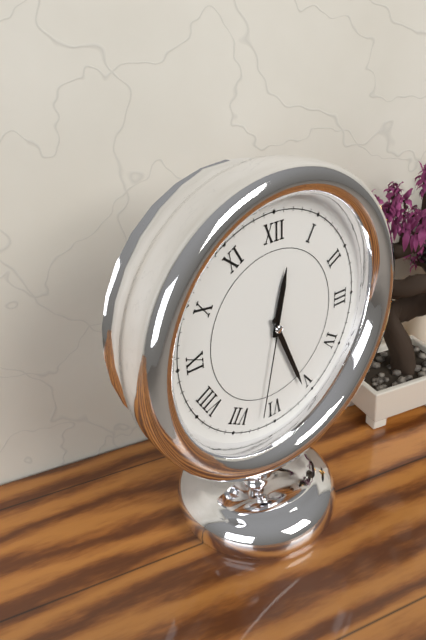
12:26:32
